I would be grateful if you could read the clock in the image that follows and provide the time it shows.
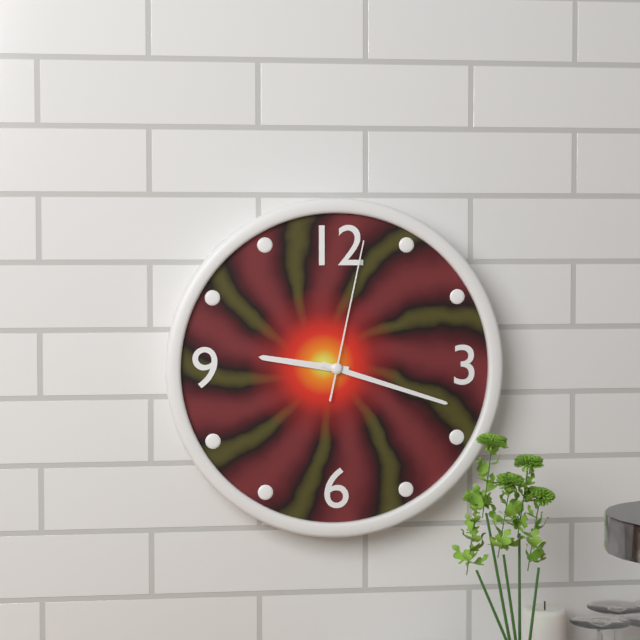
9:18:02
